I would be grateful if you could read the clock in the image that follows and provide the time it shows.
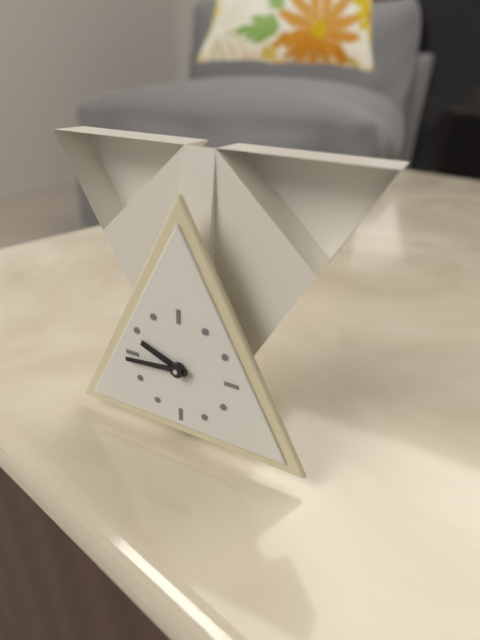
9:44
